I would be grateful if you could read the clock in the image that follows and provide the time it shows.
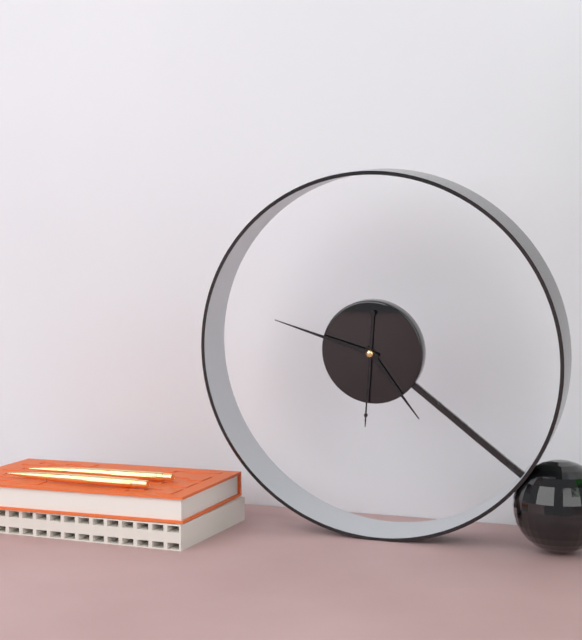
4:48:31
